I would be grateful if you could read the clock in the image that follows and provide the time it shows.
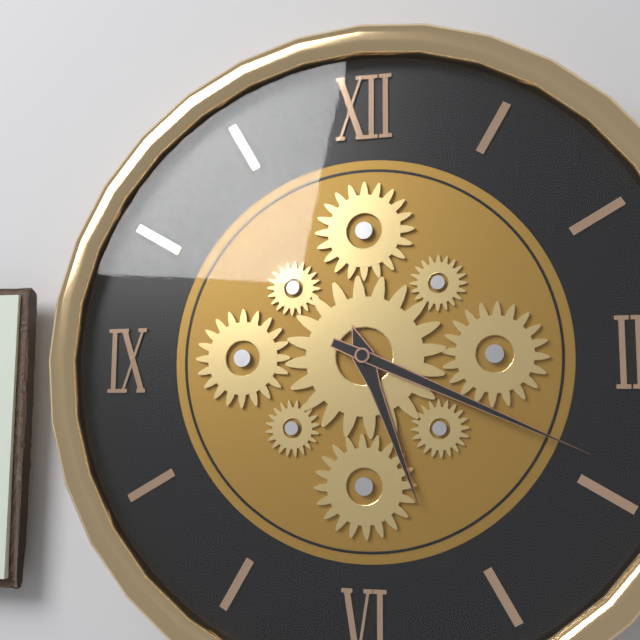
5:19
